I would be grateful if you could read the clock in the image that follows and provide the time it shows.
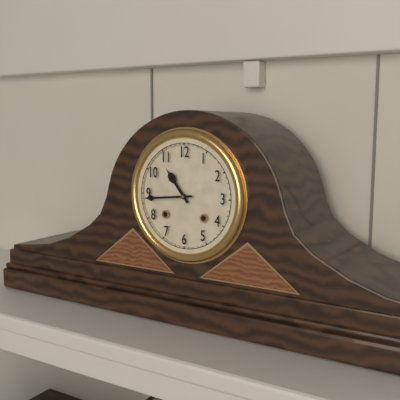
10:44
